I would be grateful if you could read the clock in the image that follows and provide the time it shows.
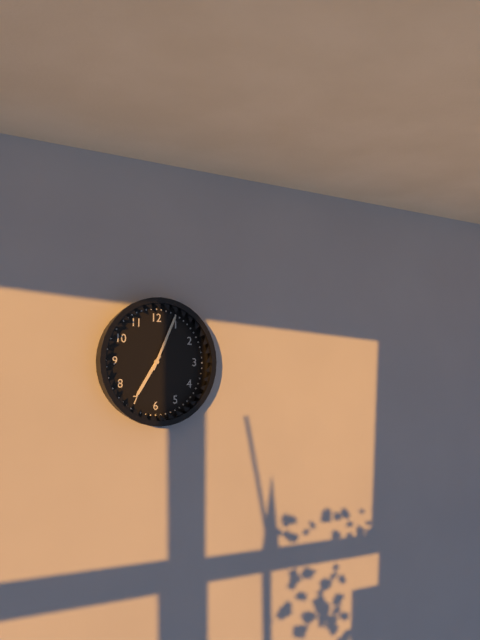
7:04
